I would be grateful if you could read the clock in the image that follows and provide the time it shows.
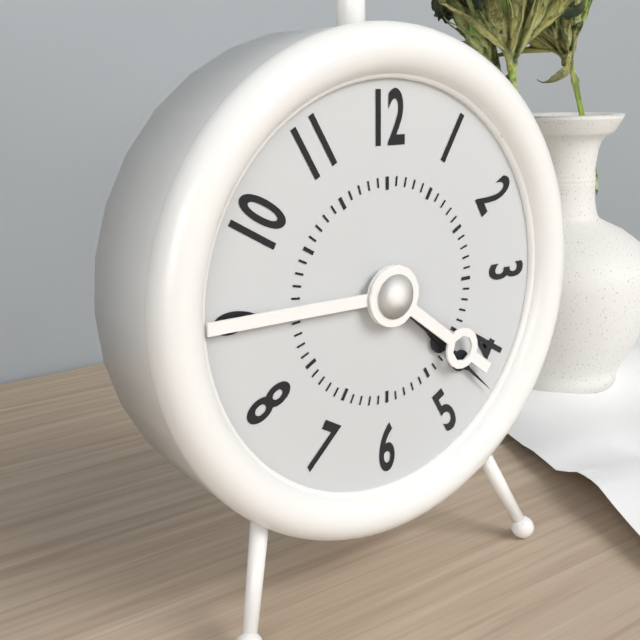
4:22
